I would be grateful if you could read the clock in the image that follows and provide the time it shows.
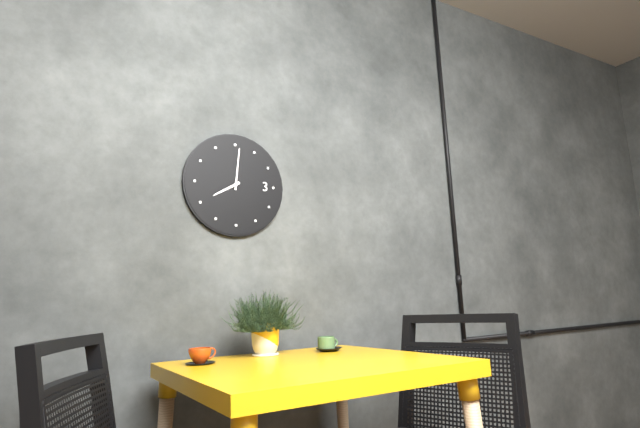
8:01
